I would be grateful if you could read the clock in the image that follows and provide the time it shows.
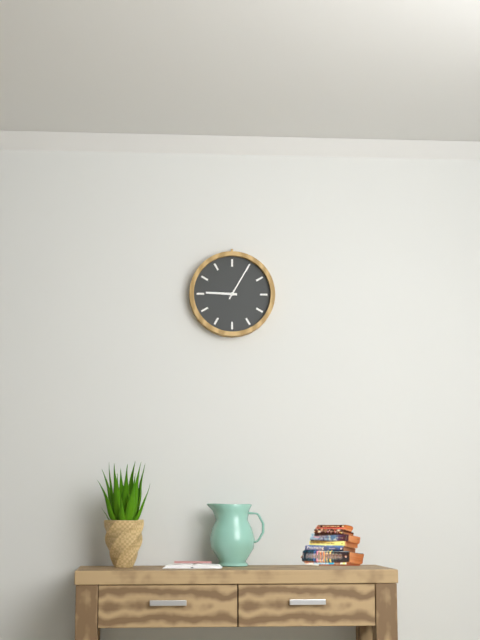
9:05
